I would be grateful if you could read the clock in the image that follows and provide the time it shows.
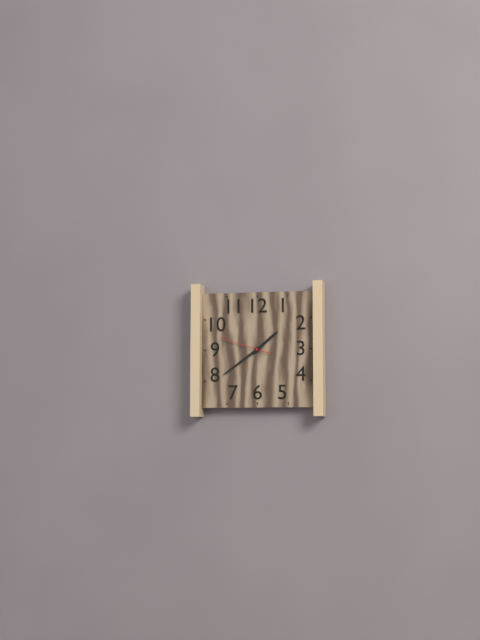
1:39
